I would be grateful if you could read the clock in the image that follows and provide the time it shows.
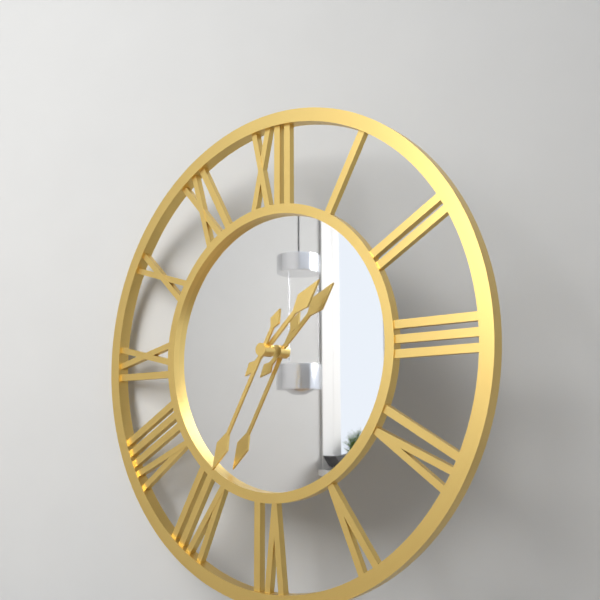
1:35
